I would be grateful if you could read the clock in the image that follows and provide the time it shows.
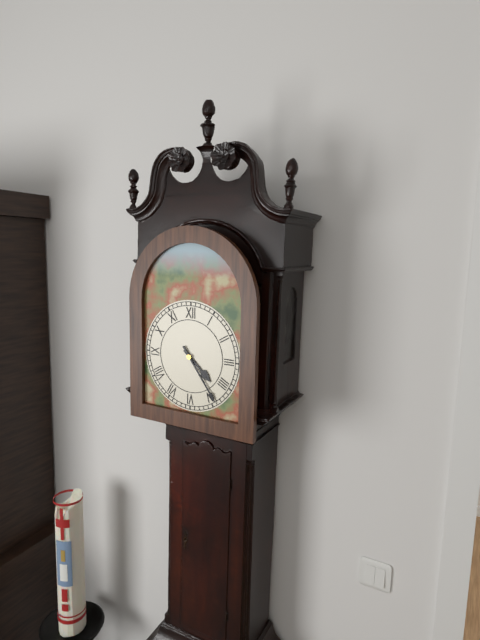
4:24
